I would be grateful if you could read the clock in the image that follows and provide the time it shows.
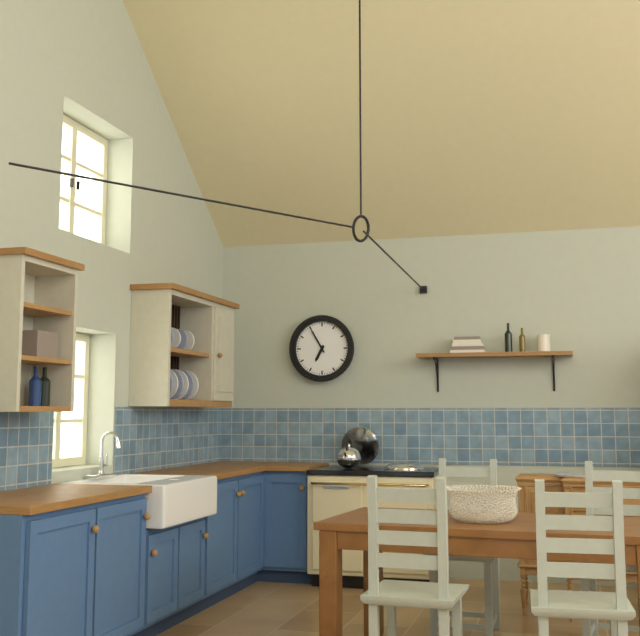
6:55
